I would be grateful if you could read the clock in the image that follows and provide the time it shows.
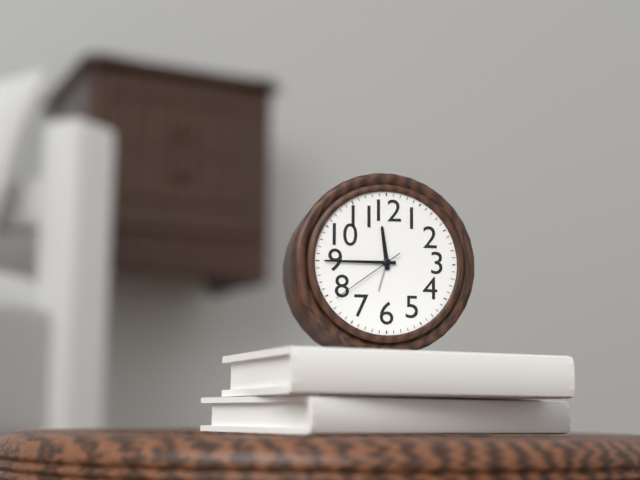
11:45:39
